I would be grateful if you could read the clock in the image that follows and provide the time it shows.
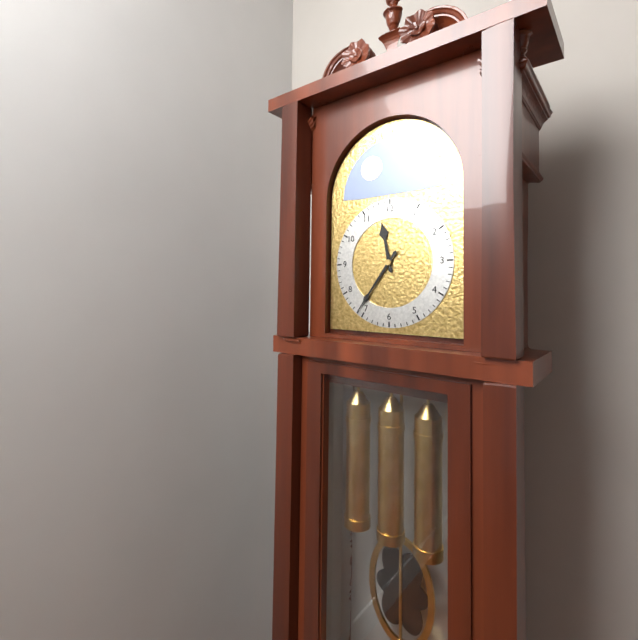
11:36
